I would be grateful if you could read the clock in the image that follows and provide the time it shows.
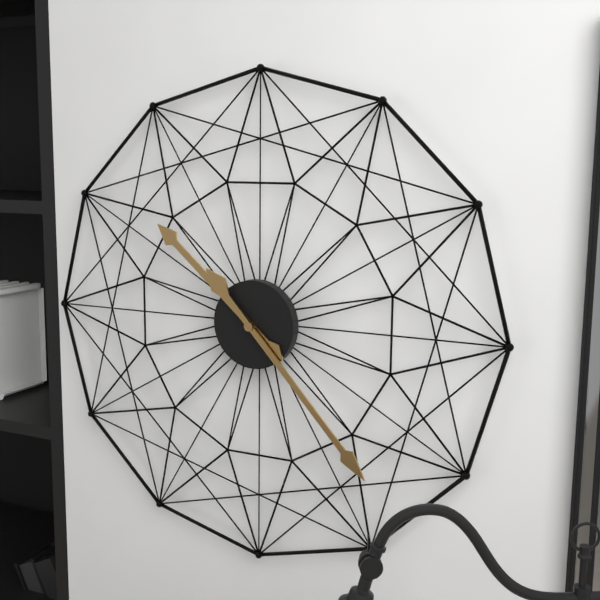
10:23
